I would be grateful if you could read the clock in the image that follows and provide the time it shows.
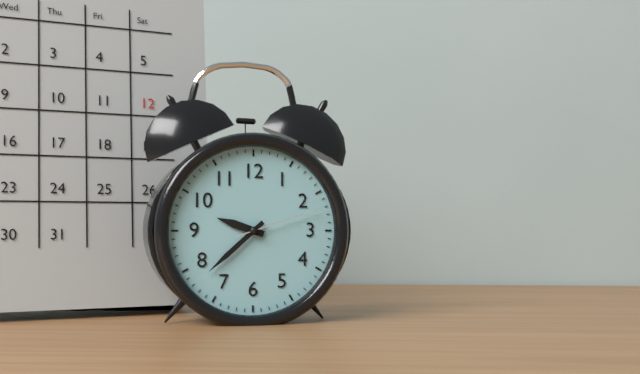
9:38:12
